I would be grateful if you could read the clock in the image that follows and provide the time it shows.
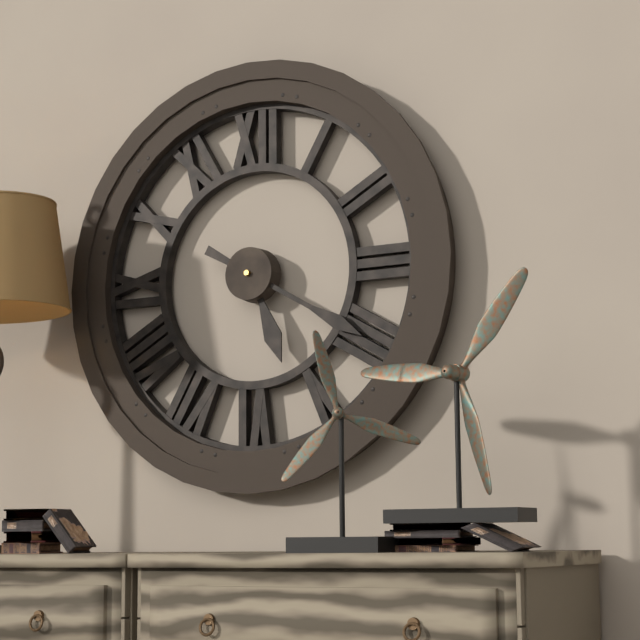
5:20
